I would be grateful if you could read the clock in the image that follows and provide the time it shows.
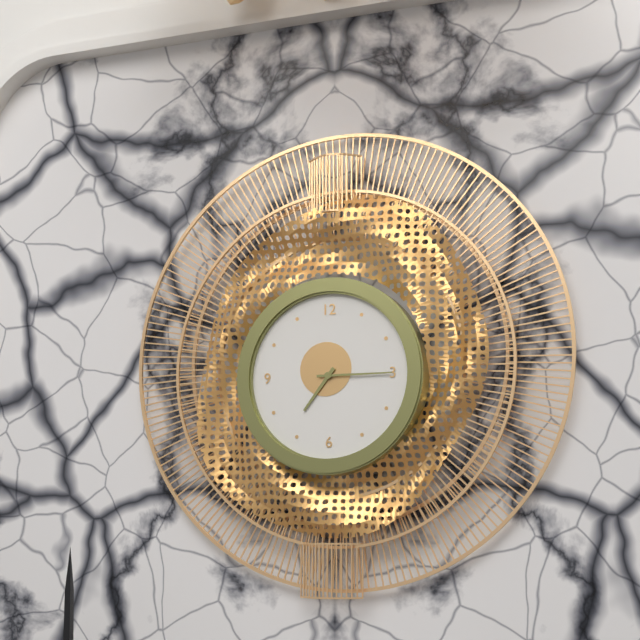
7:15
